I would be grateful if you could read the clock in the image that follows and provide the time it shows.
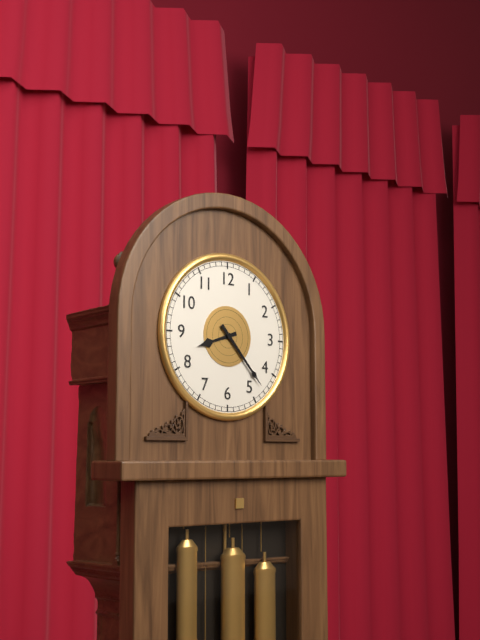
8:23
